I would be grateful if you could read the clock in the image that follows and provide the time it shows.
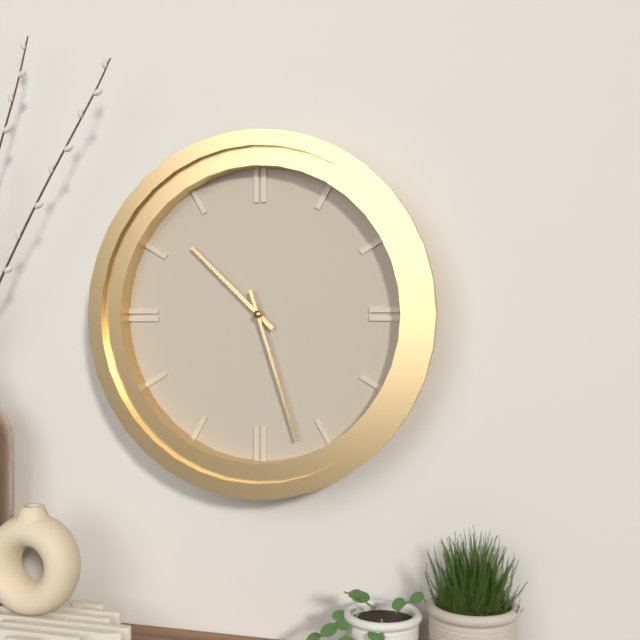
10:27
